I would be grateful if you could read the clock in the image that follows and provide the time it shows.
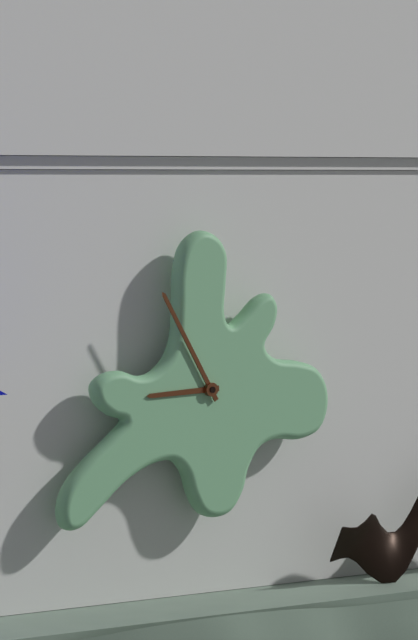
8:55
